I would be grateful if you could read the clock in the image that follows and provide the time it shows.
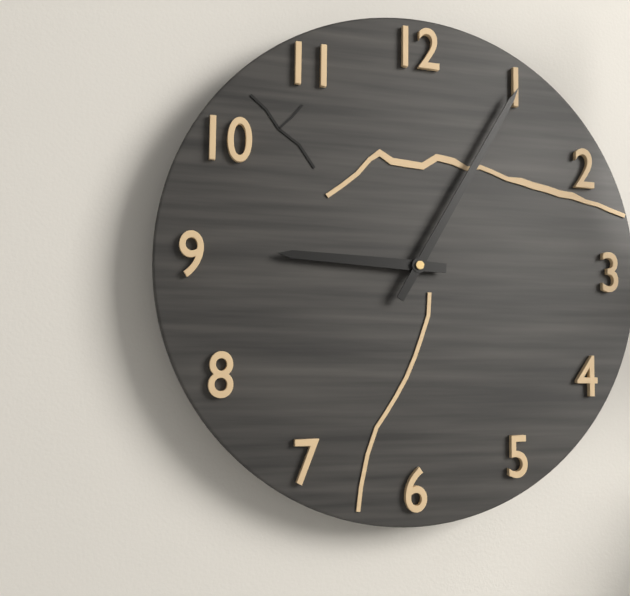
9:05
